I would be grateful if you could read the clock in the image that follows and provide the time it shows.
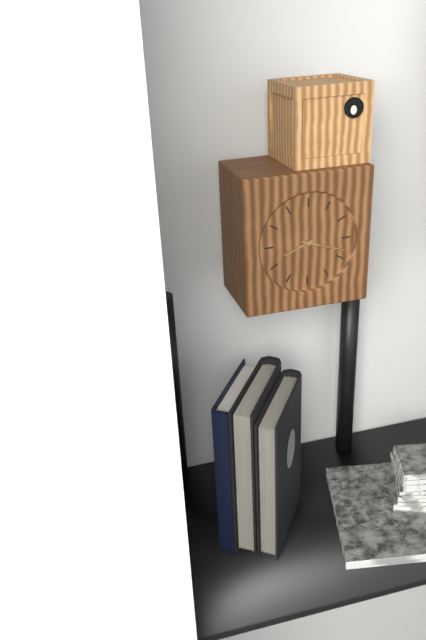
8:18
